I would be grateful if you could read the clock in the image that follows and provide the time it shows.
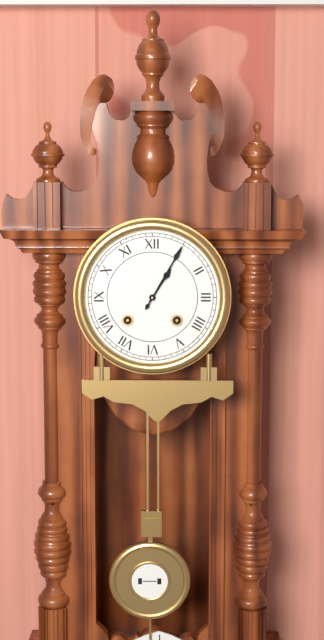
1:05
